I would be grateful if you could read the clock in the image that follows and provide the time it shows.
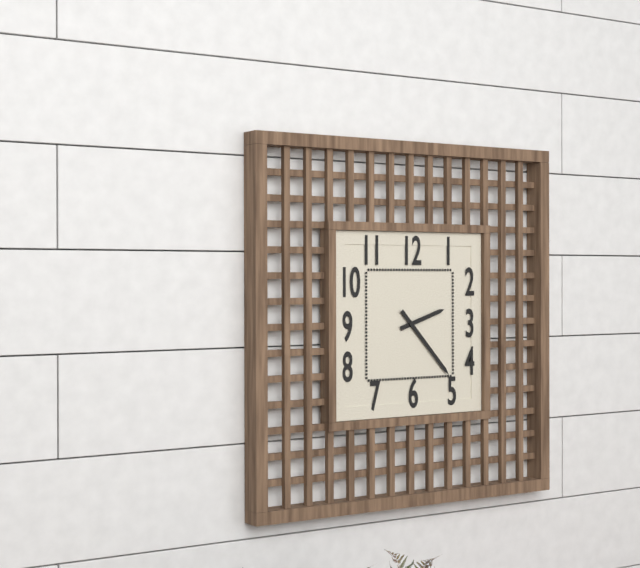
2:23
